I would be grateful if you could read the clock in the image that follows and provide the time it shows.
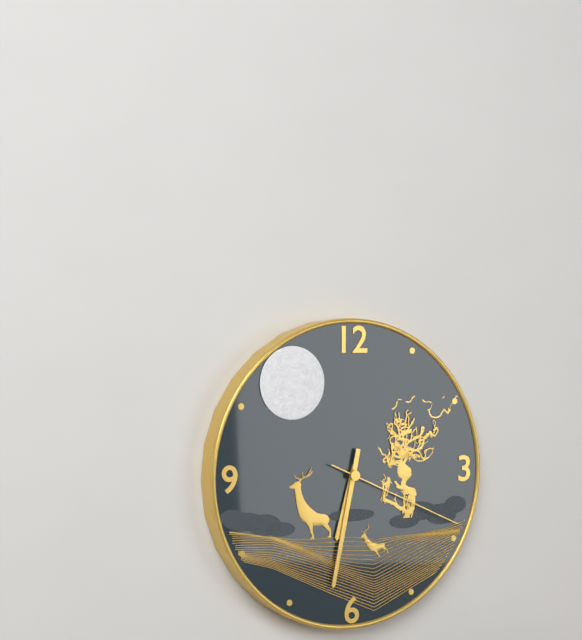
6:32:19
